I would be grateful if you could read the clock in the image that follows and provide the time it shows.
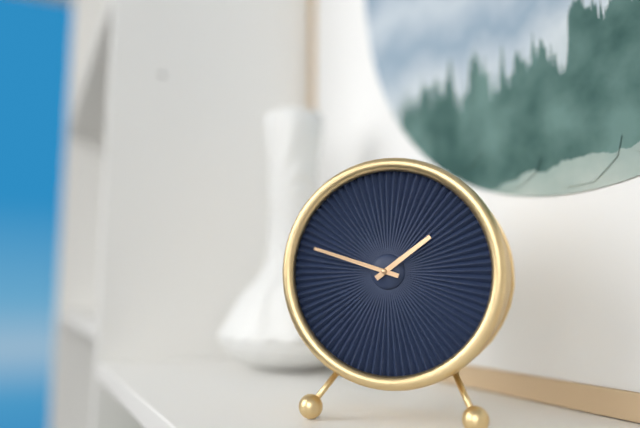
1:48
